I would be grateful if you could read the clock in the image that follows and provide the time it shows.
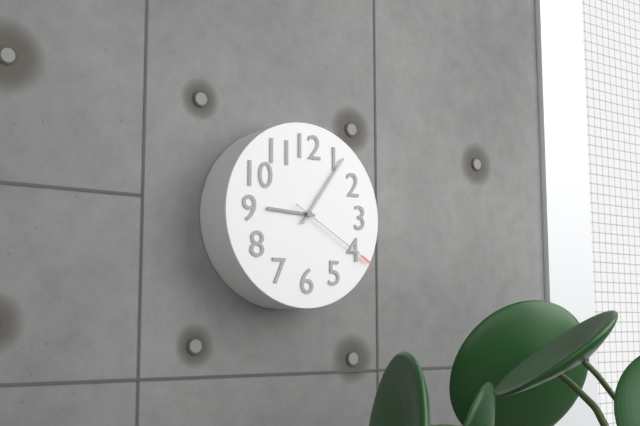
9:06:20
